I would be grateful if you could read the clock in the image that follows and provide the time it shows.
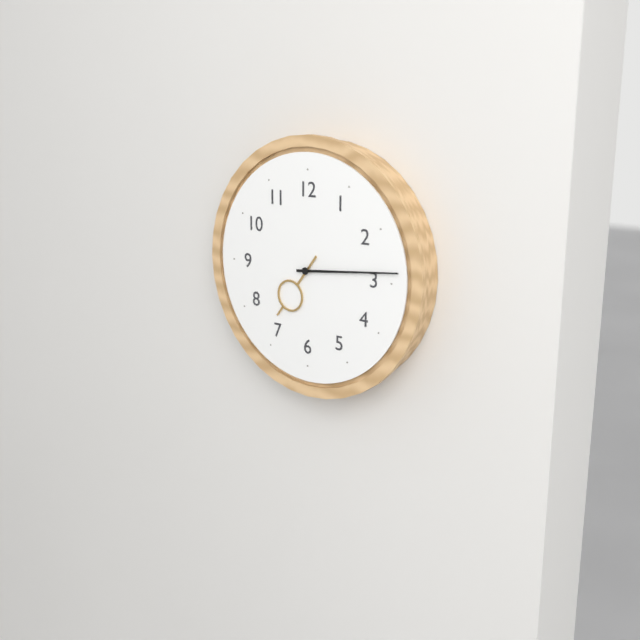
7:14
